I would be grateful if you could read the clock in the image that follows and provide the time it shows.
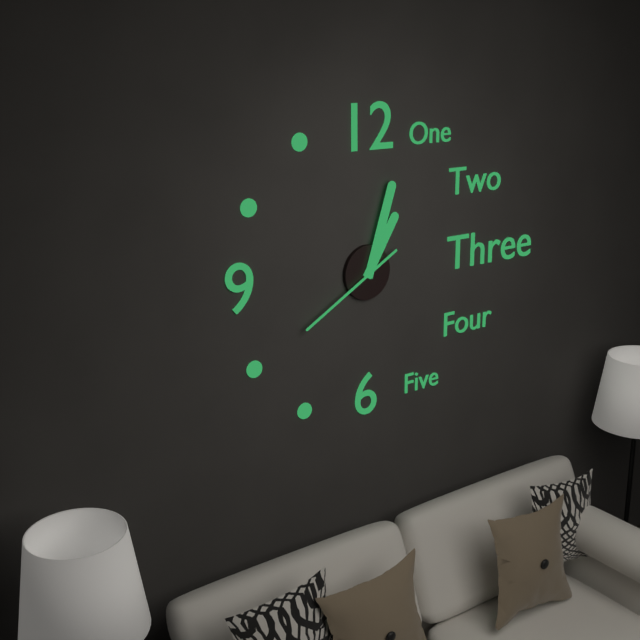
1:03:40
